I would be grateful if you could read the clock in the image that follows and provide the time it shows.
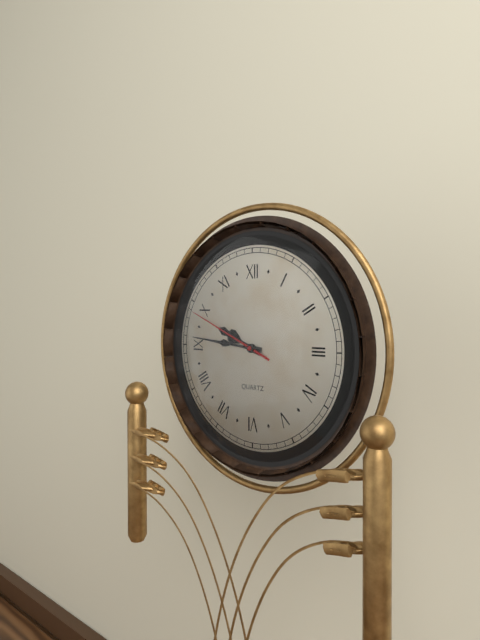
9:46:49
